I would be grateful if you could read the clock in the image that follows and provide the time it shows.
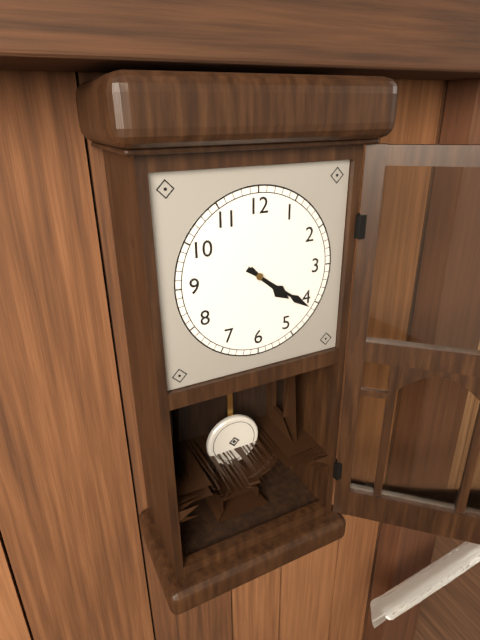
4:21
